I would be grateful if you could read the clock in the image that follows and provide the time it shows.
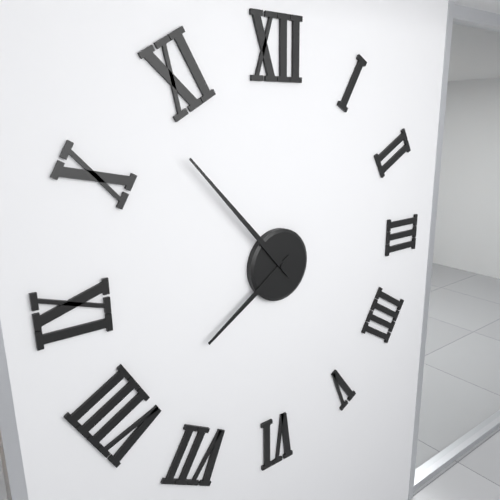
7:53
